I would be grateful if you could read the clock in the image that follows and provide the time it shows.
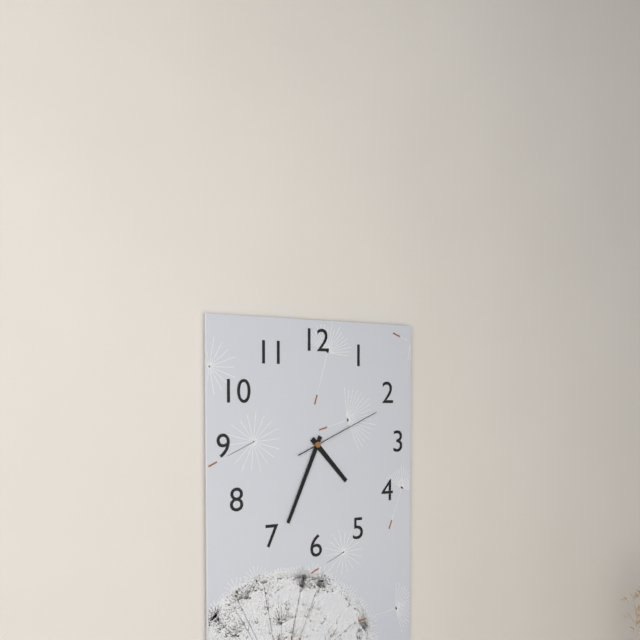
4:34:11
